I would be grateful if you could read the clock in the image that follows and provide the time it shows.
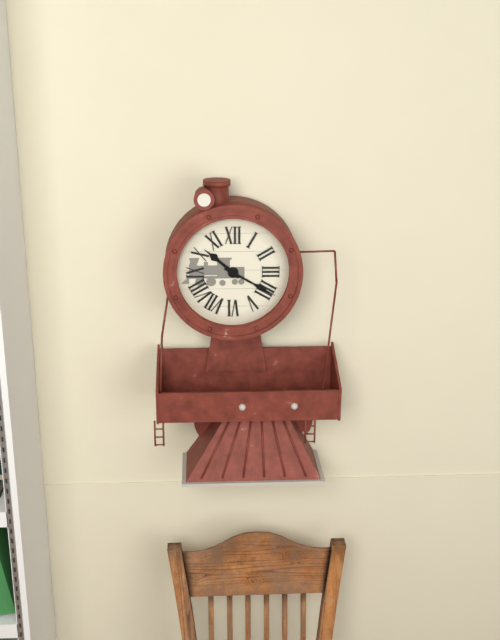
10:20
